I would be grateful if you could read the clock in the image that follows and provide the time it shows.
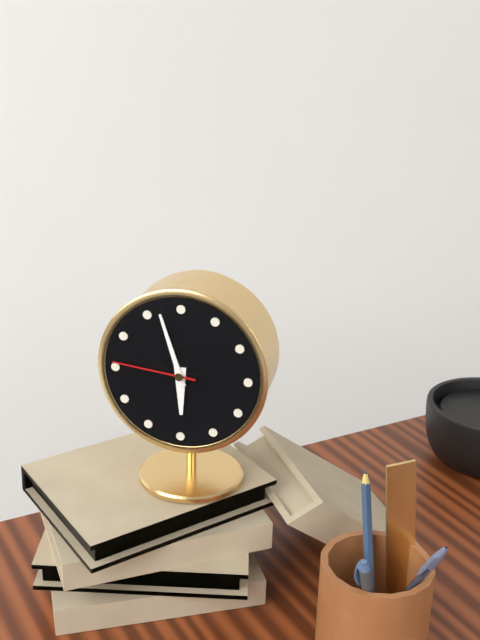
5:57:46
